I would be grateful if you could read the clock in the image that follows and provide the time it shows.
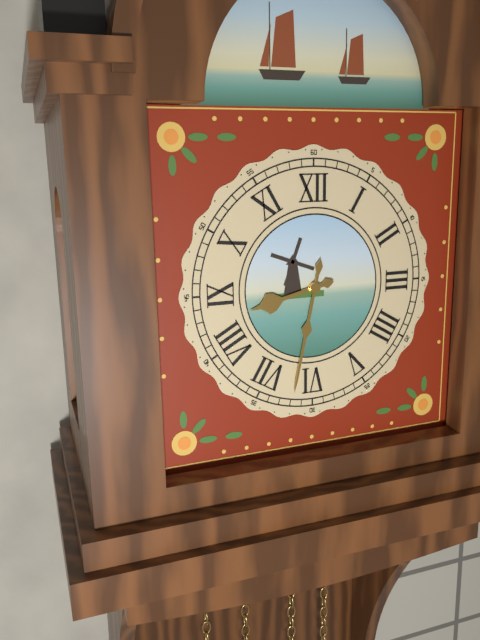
8:32
